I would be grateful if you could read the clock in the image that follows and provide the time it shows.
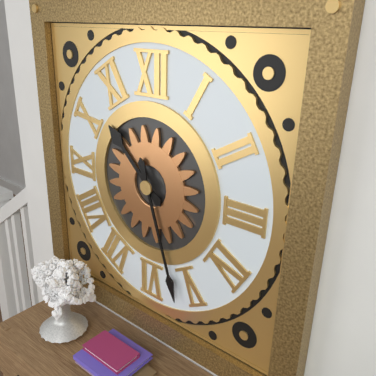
10:27
